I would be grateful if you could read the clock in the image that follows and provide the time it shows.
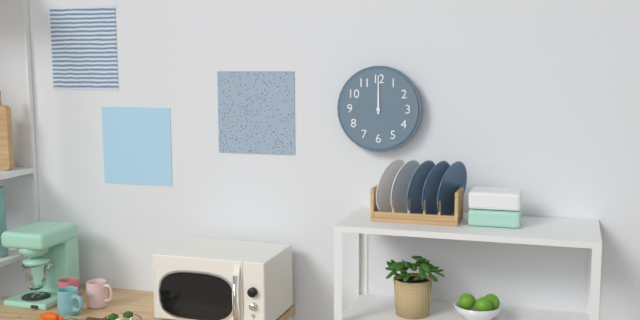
12:00
